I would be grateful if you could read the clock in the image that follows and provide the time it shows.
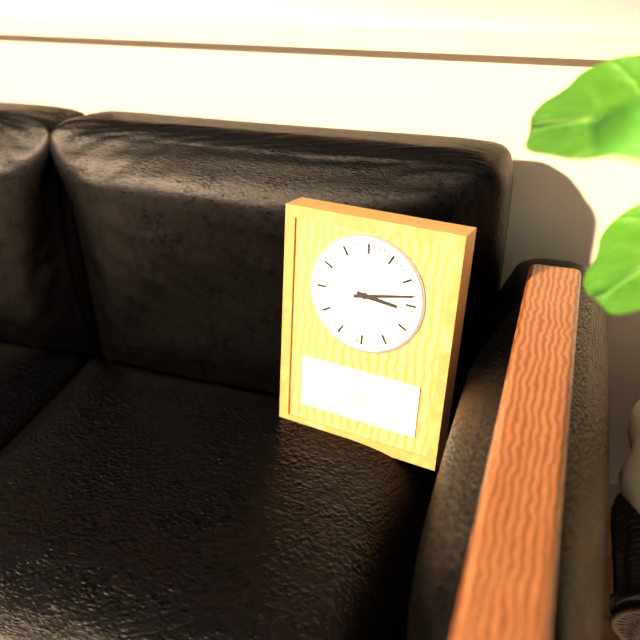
3:13
